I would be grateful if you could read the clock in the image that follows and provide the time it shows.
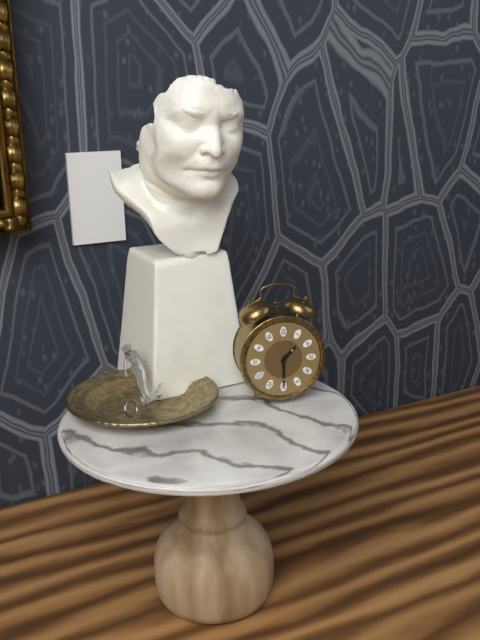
1:30
